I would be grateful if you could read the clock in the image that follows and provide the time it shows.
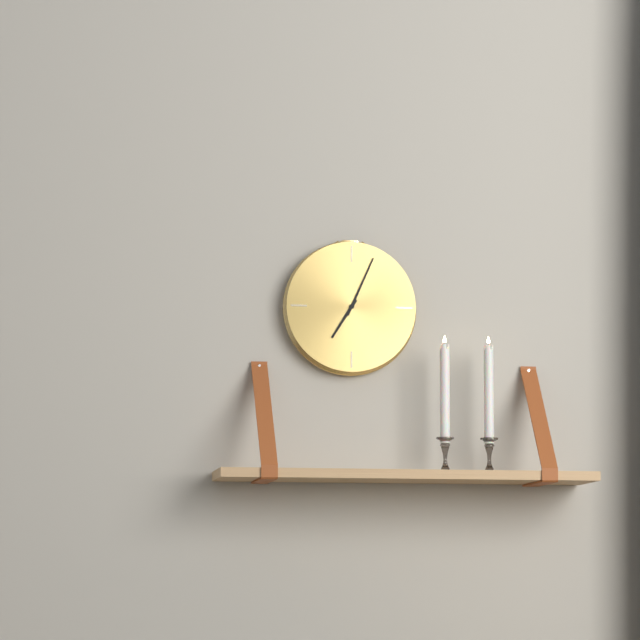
7:04
